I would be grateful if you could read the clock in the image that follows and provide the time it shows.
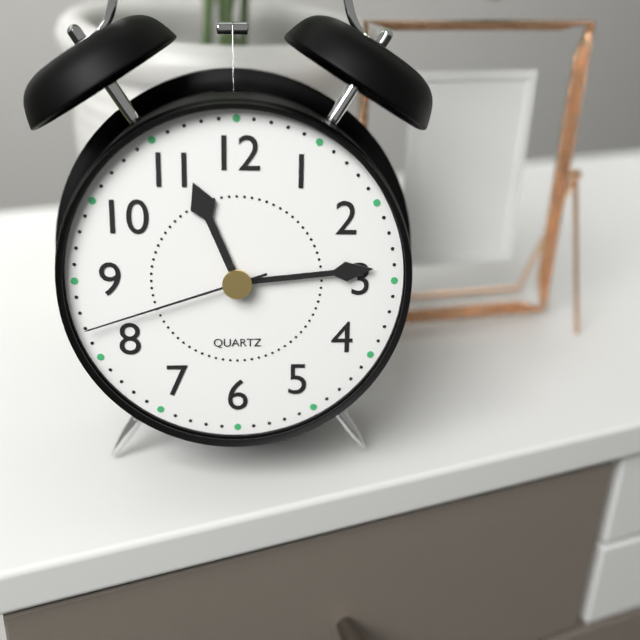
11:14:42
